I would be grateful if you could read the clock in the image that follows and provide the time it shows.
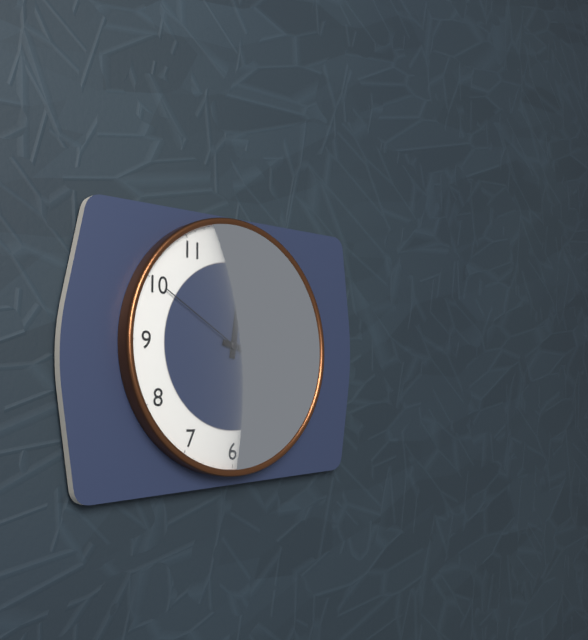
12:17:50
